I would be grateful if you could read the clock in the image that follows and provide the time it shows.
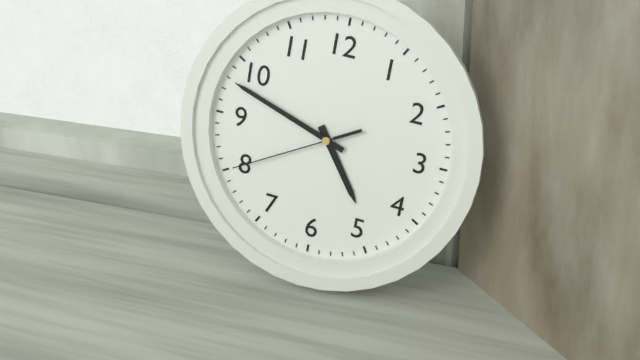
4:48:40
